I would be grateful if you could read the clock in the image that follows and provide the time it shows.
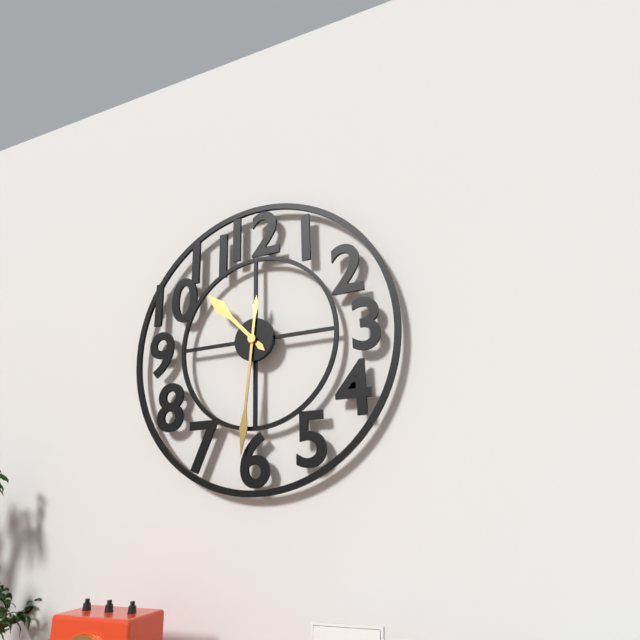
10:31
